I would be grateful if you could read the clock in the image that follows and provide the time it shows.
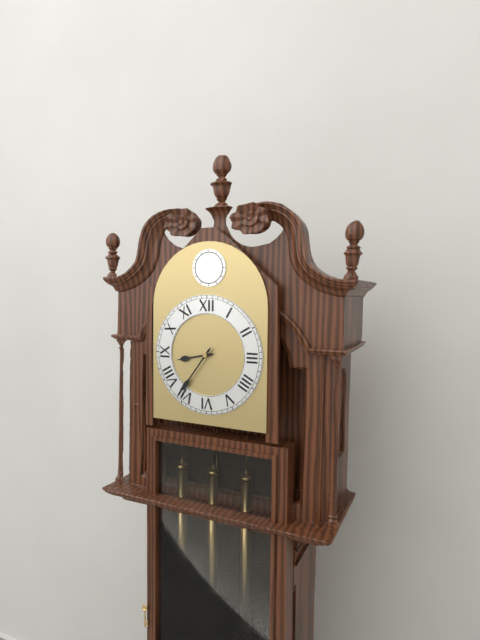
8:36
